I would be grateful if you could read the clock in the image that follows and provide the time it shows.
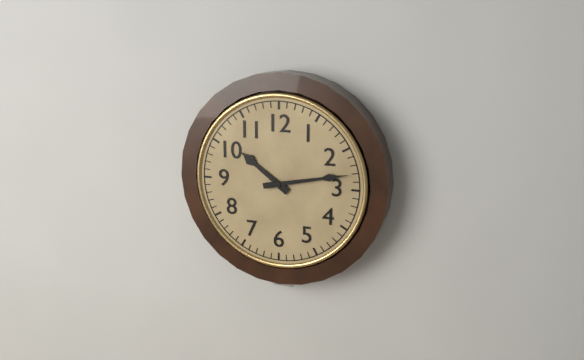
10:13
